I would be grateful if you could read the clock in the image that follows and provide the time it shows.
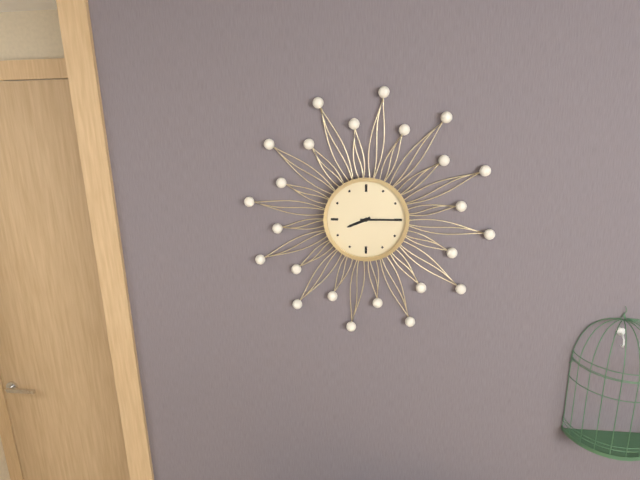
8:15
